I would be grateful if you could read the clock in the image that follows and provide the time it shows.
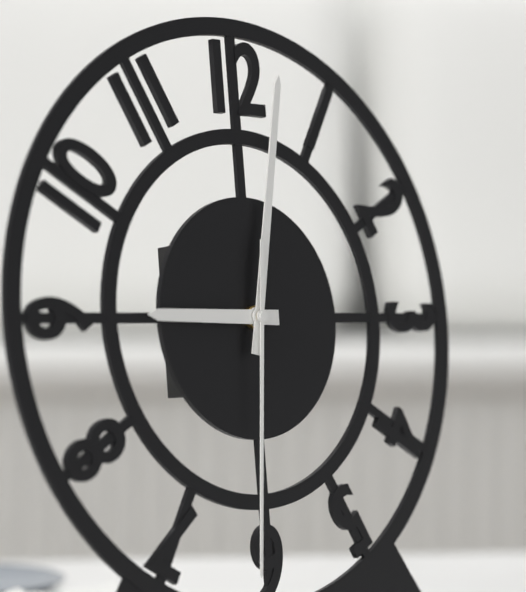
9:02:31
